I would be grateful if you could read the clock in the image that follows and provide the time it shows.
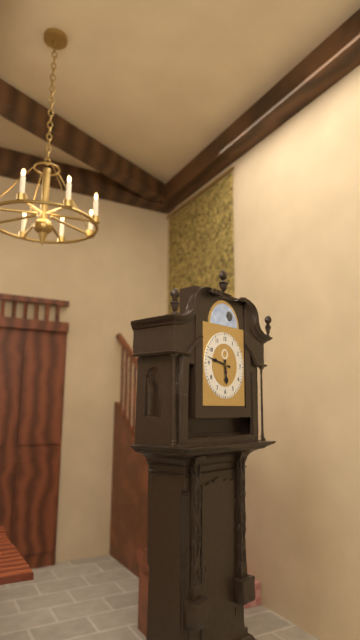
5:47
